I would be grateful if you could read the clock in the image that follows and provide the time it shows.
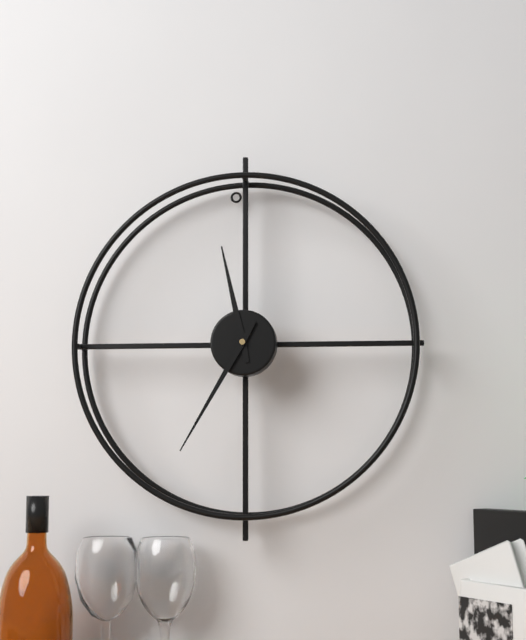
11:35
